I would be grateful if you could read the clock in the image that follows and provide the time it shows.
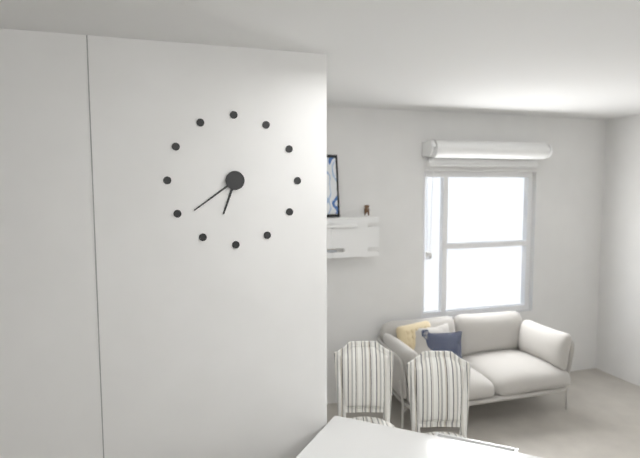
6:39
